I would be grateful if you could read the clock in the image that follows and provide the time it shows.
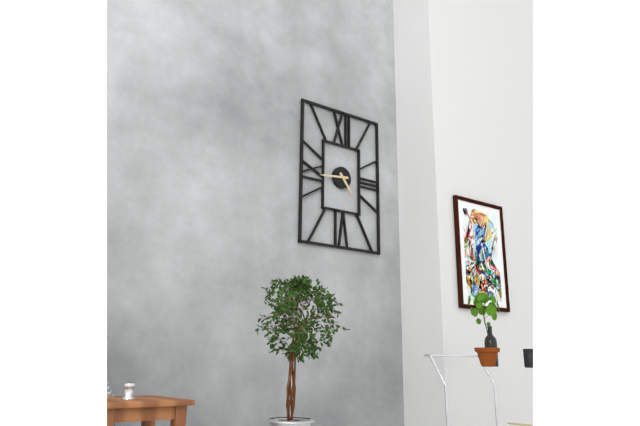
4:44
